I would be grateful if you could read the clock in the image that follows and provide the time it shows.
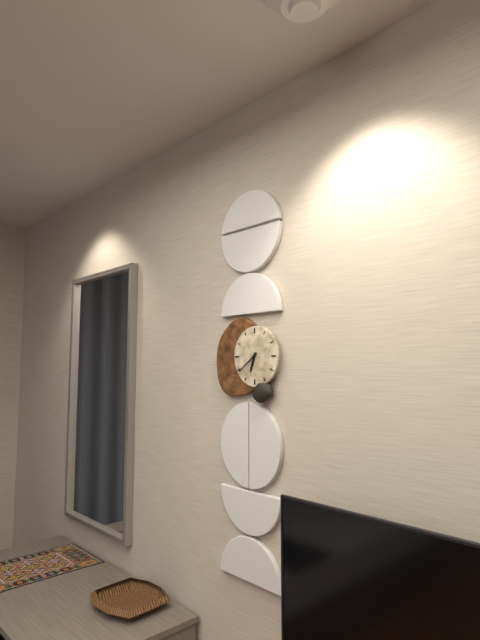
6:39
